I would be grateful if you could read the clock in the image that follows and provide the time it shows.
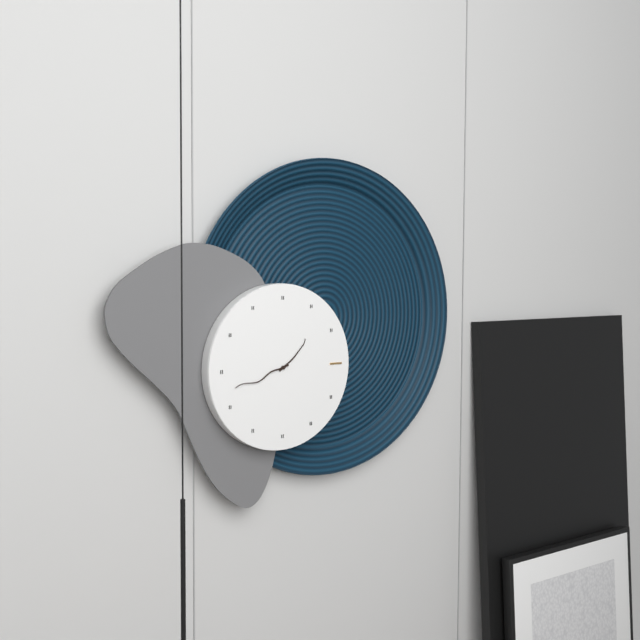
1:42
